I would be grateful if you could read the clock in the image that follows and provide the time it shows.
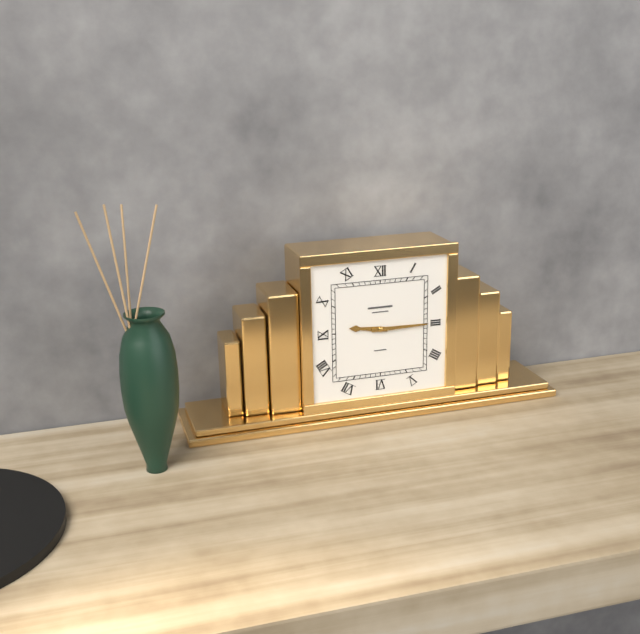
9:15
